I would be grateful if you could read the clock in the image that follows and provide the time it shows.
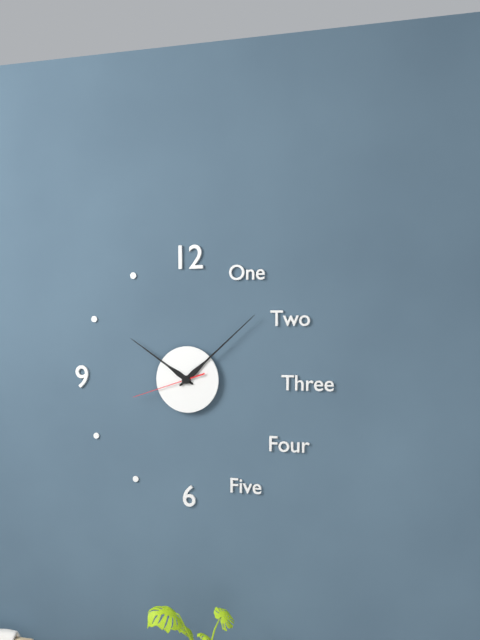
10:08:42
